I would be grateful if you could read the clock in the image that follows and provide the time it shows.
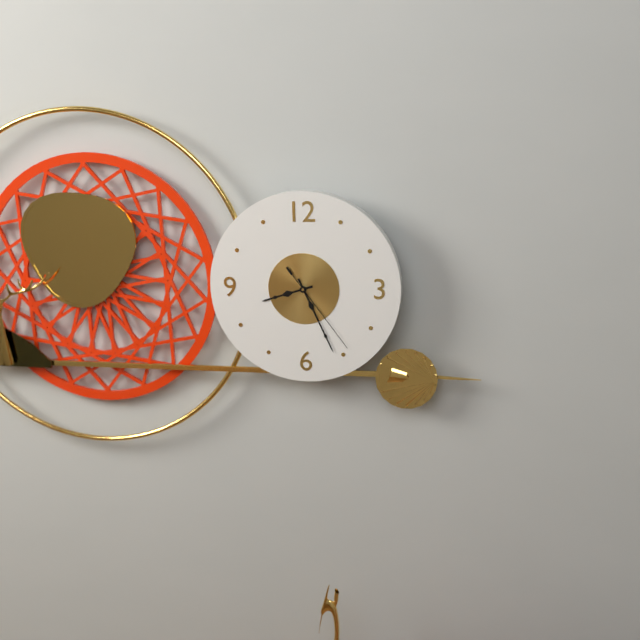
8:26:24
